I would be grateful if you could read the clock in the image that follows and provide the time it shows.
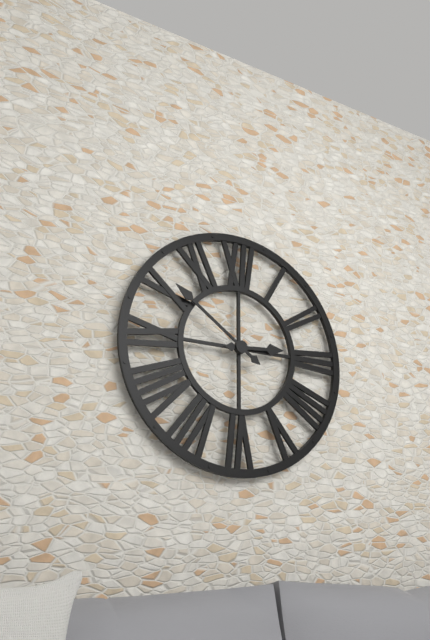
2:51
